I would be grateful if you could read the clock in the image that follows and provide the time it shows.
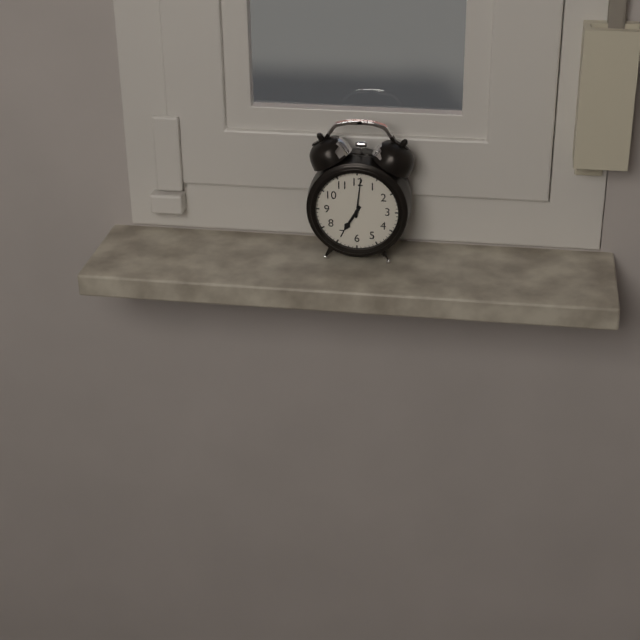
7:01
